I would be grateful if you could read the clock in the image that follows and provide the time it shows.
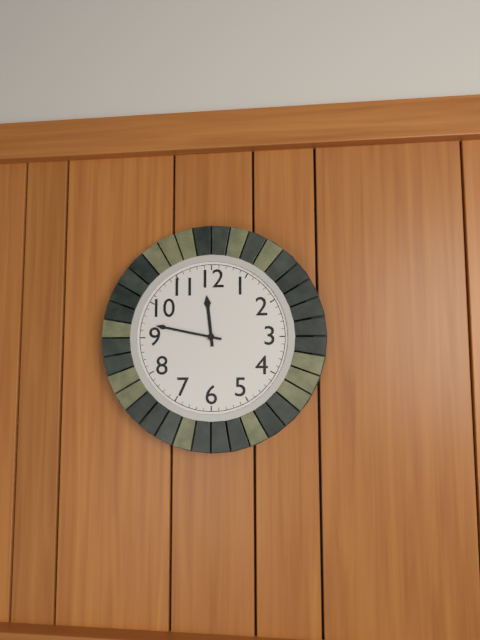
11:47
